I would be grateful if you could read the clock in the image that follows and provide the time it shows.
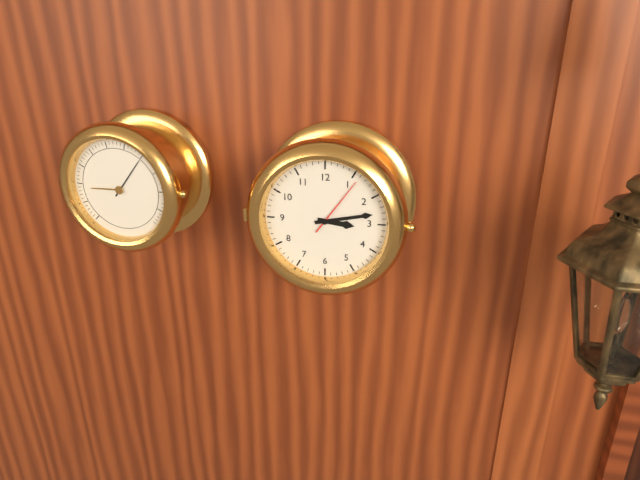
3:13:06
